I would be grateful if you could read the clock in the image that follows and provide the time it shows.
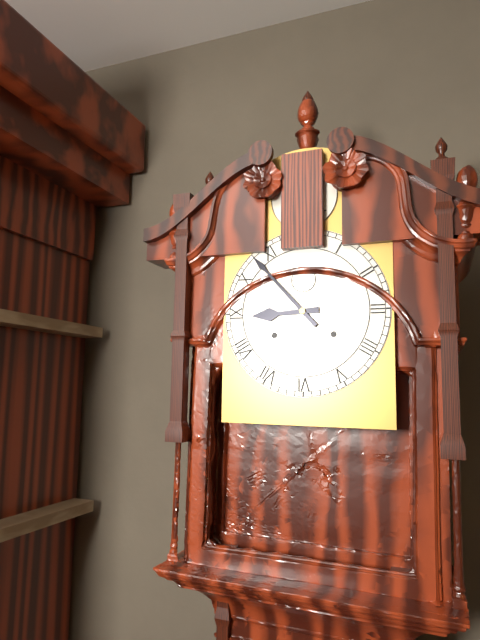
8:53
